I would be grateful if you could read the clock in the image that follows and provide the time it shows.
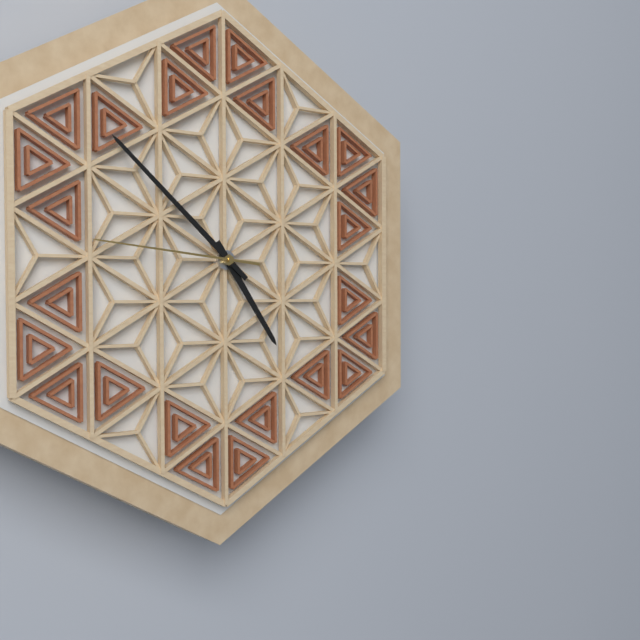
4:52:46
